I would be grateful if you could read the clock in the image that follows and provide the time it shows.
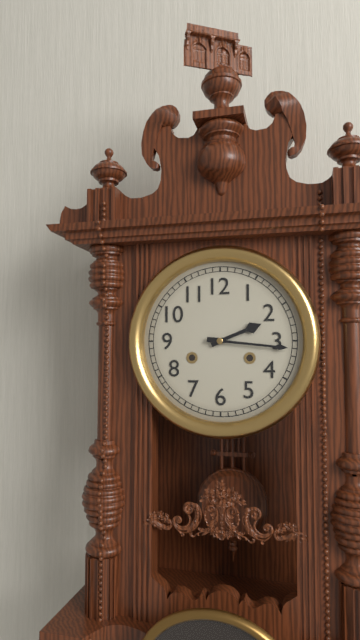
2:16
